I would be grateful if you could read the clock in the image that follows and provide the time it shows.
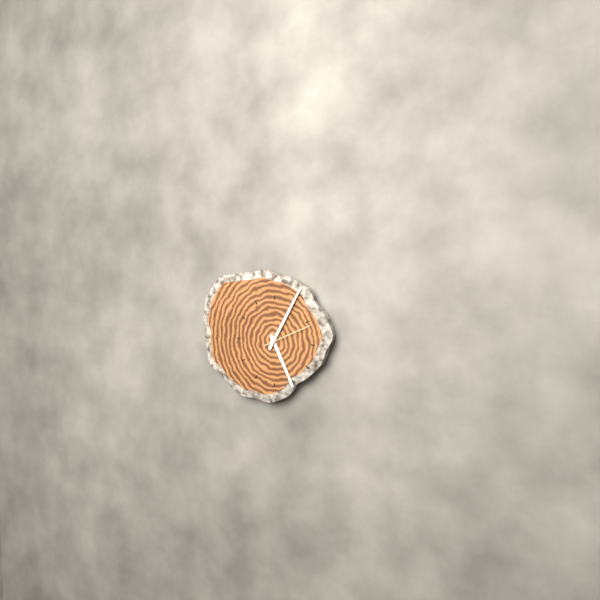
5:05
